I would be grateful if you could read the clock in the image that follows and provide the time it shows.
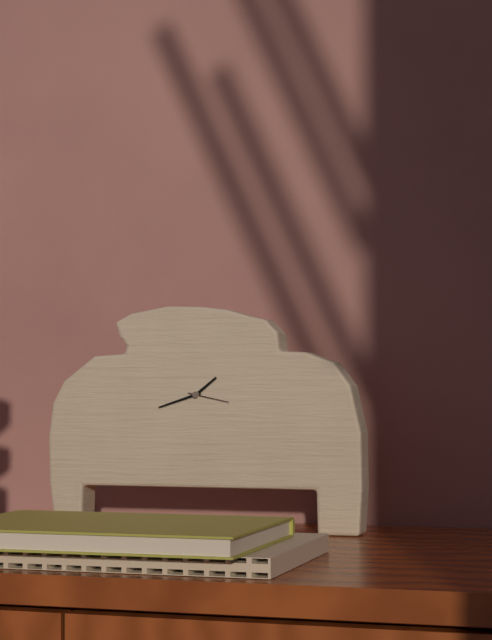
1:42
